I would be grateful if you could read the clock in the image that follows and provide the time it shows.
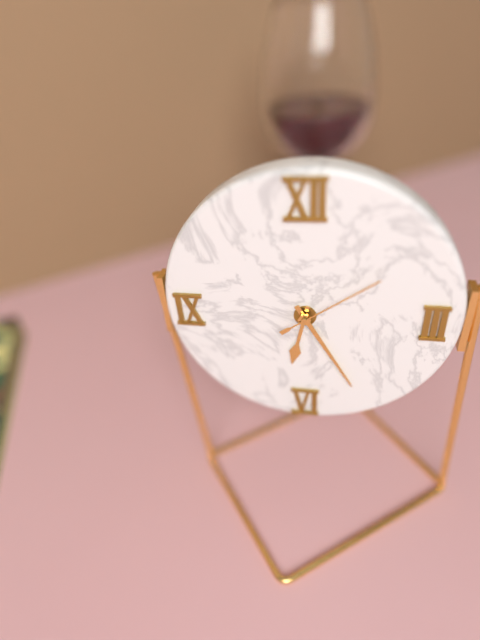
6:25:09
